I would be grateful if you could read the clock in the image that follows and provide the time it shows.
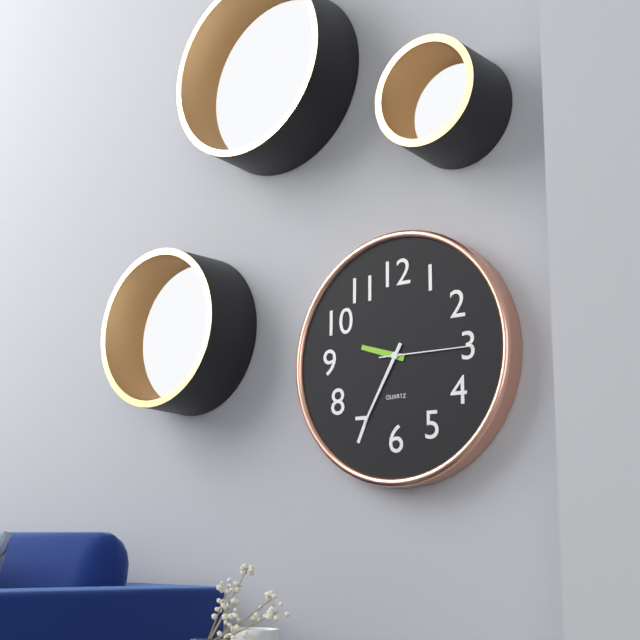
9:35:15
